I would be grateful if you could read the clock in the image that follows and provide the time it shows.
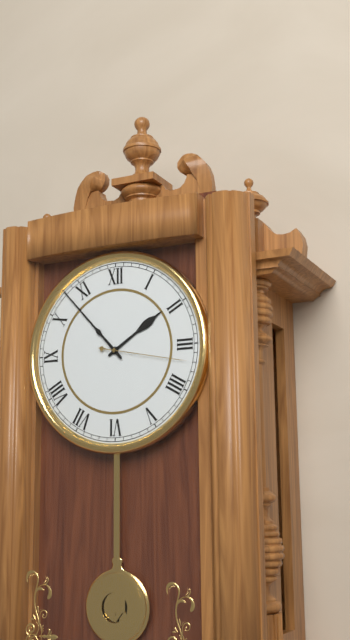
1:53:17
